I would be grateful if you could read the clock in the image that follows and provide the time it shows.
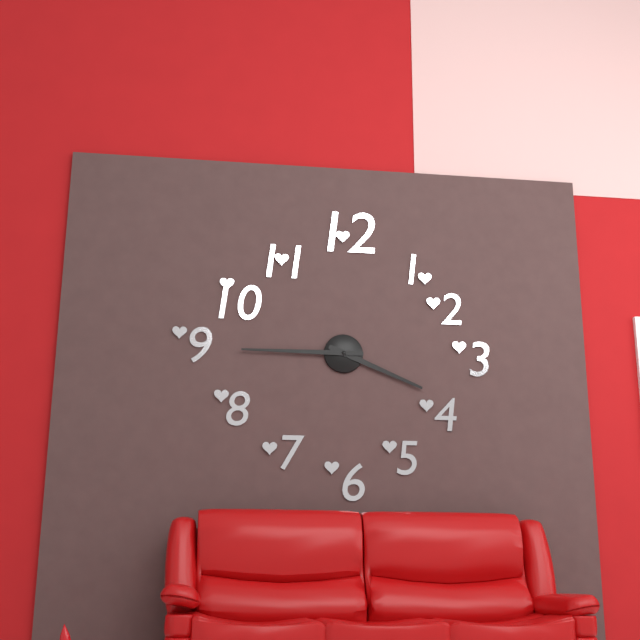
3:45
